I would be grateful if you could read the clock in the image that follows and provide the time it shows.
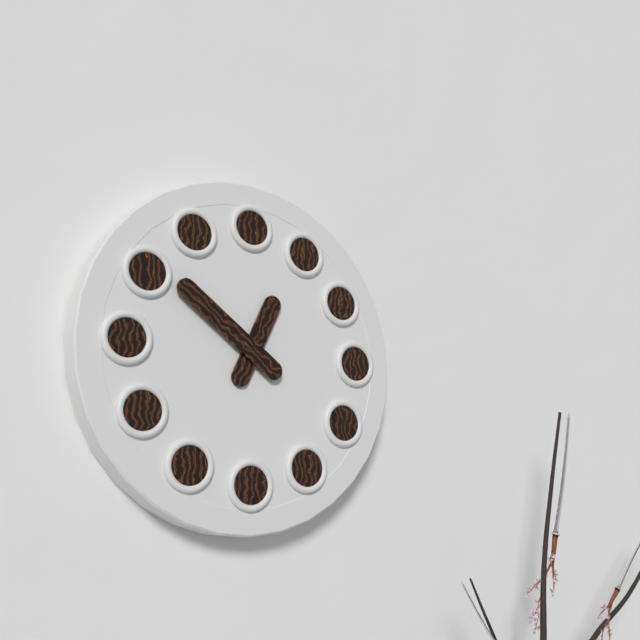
12:51
